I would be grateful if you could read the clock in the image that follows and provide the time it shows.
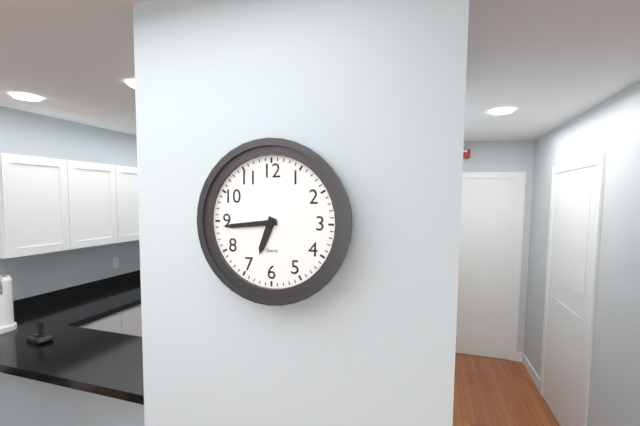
6:44
